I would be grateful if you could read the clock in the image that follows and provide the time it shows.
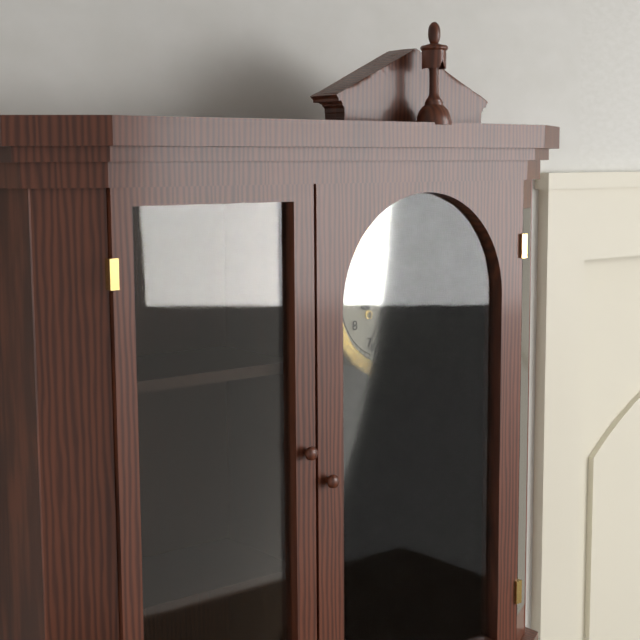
8:34
